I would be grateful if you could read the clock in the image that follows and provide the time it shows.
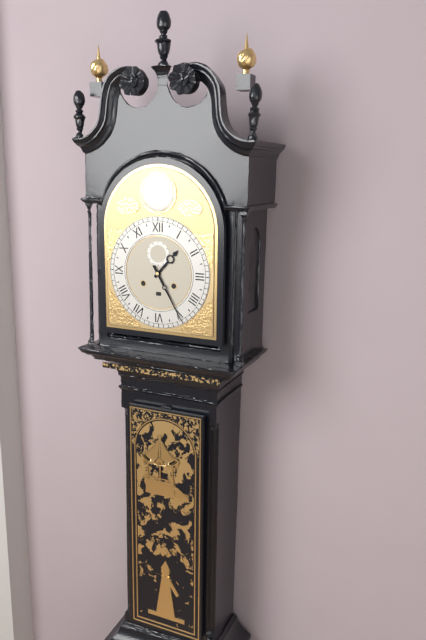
1:25
